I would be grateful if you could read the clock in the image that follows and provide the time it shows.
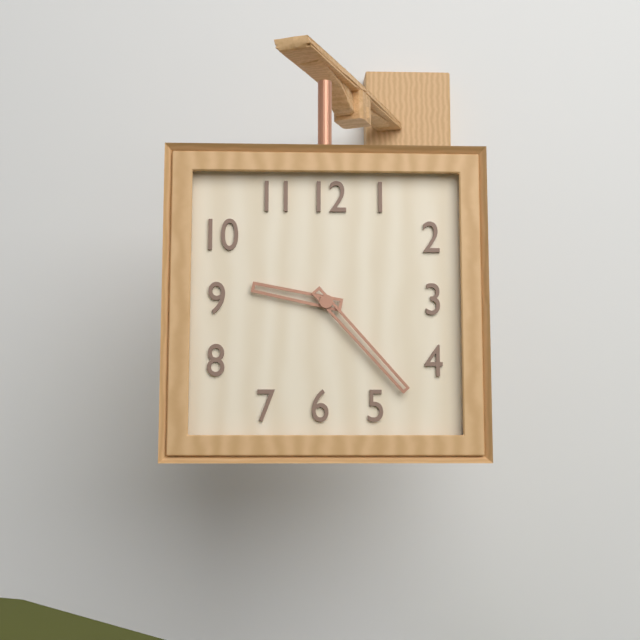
9:23
